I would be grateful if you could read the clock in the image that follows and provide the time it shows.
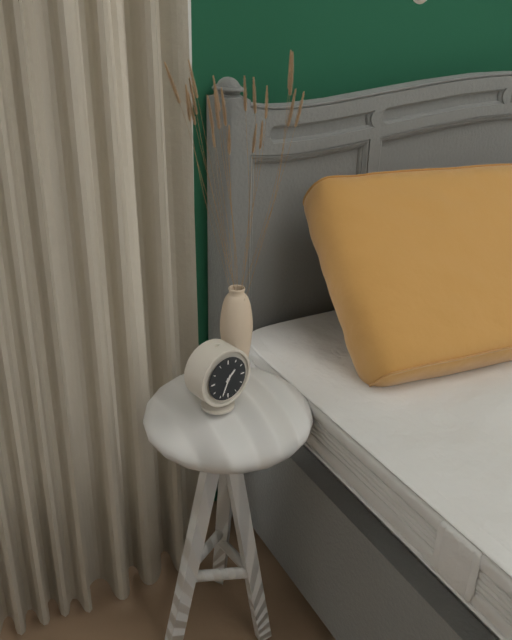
1:34
